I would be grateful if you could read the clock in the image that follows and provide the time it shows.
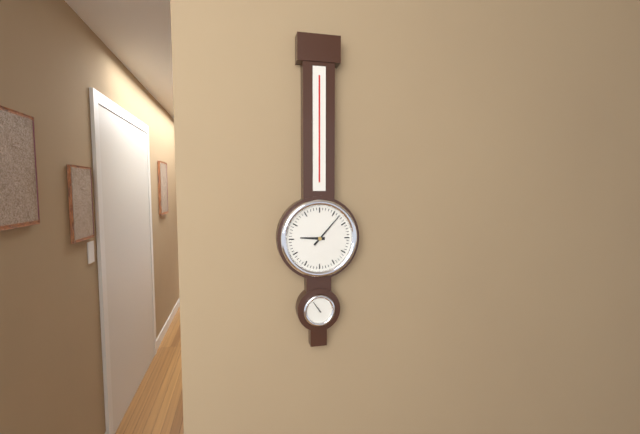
9:07
